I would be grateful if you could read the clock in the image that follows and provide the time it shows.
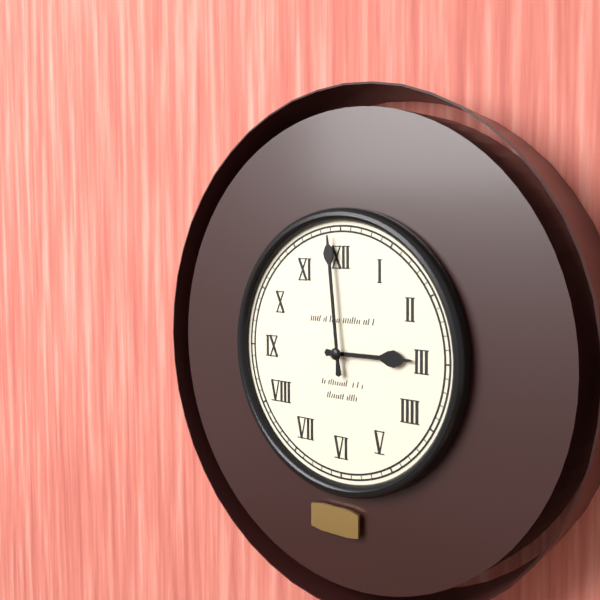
2:59
